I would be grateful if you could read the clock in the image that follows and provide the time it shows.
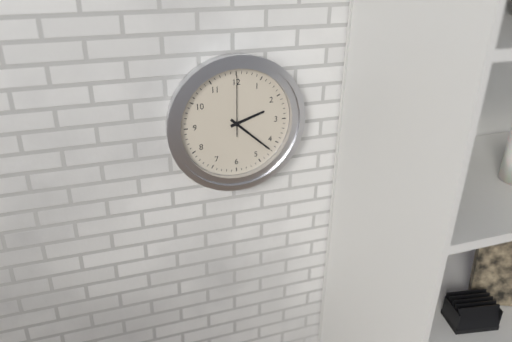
2:22:00
